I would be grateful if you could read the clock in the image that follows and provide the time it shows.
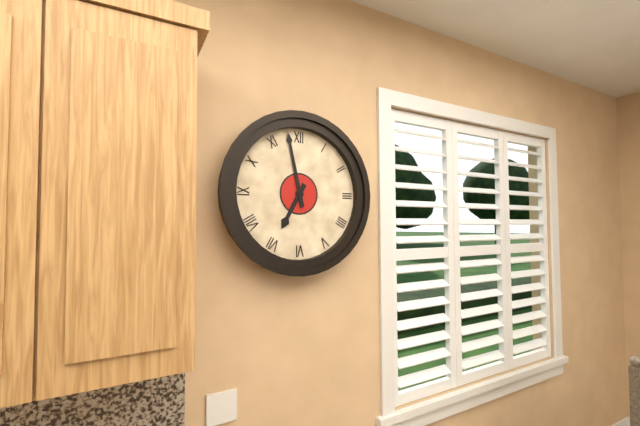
6:58
